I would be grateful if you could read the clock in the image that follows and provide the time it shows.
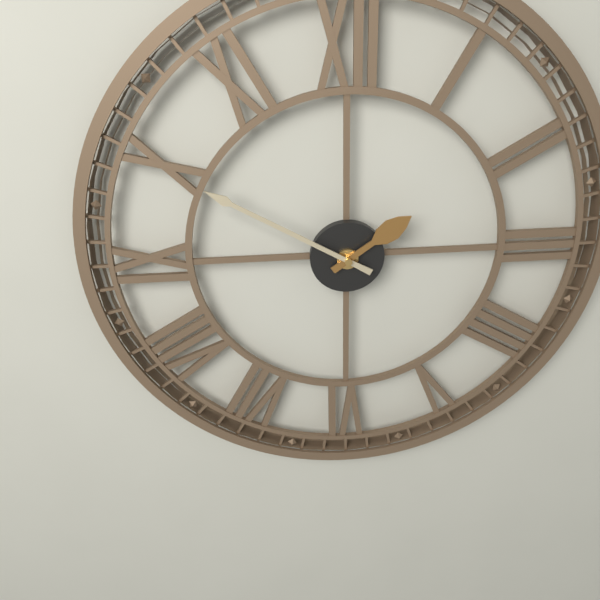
1:50
